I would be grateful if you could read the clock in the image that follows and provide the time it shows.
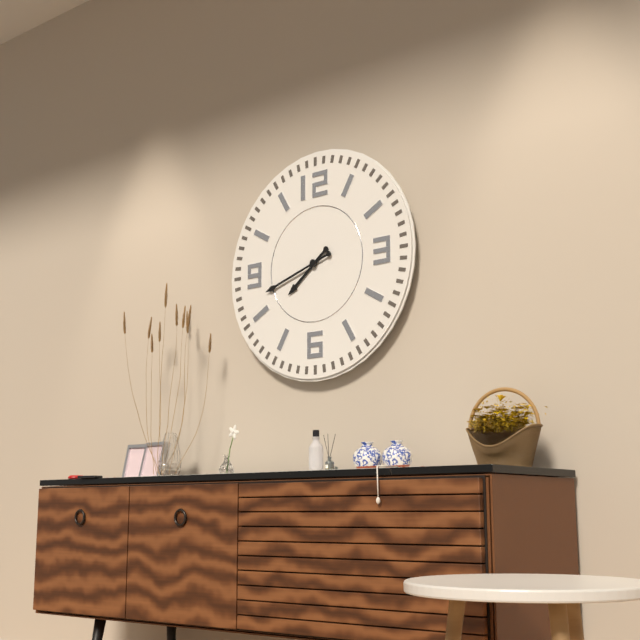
7:42
